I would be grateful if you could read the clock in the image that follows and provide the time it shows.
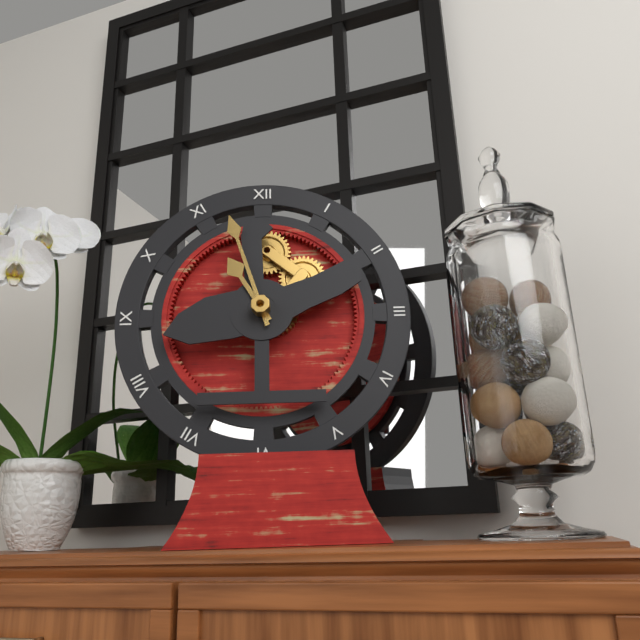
10:57
